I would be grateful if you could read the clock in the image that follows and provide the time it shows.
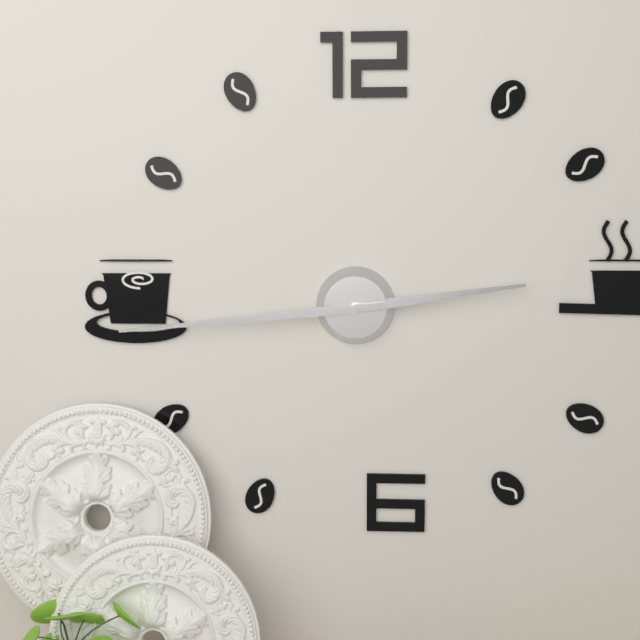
2:44
